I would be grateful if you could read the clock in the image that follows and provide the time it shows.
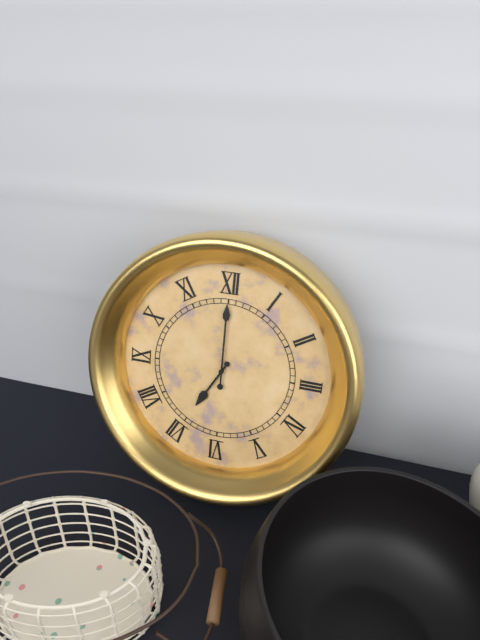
7:00
